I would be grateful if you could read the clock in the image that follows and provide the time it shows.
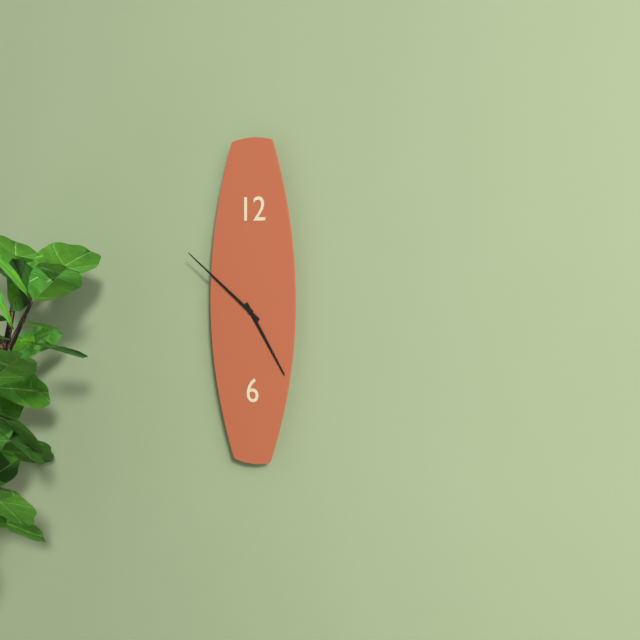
4:51
